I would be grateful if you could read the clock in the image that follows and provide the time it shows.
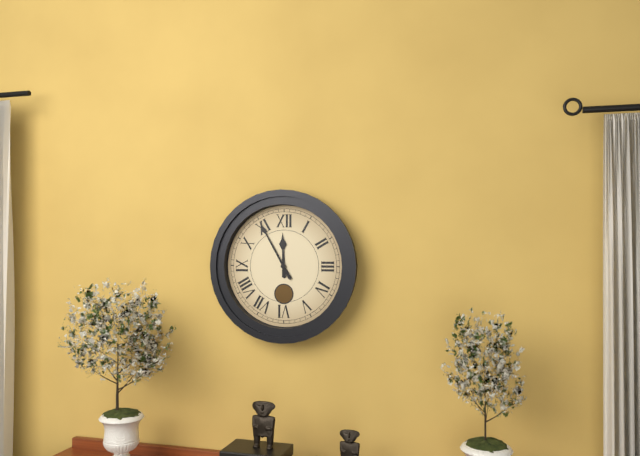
11:55
